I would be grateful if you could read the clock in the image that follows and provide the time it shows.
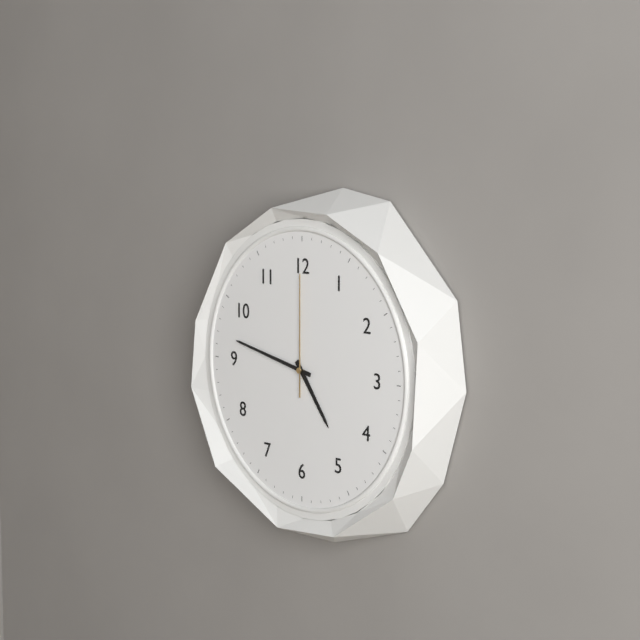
4:47:00
